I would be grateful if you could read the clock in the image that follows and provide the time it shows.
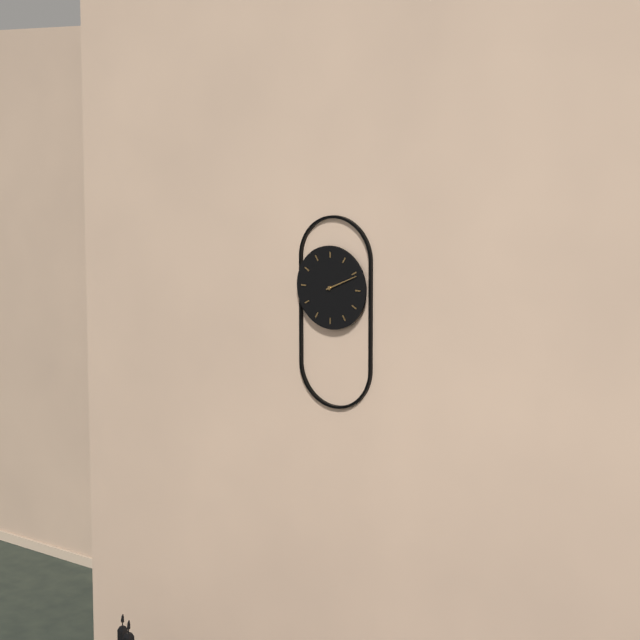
2:11
